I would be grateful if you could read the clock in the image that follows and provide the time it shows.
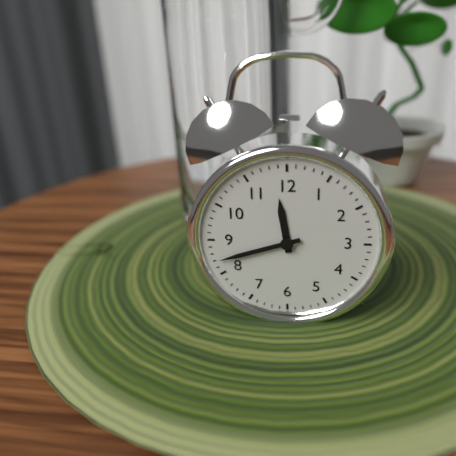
11:42
